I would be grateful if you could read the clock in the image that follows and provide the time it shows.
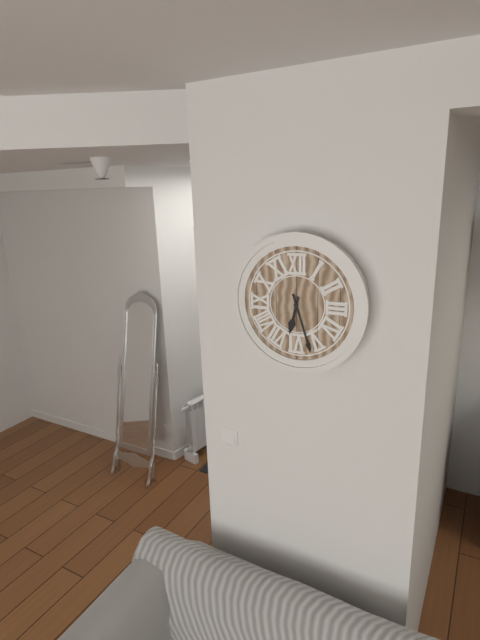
6:27
